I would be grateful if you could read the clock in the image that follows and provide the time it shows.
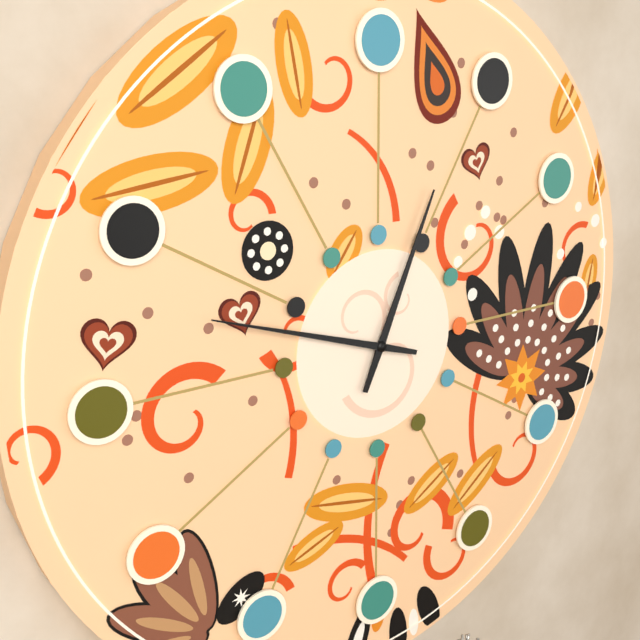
12:48
